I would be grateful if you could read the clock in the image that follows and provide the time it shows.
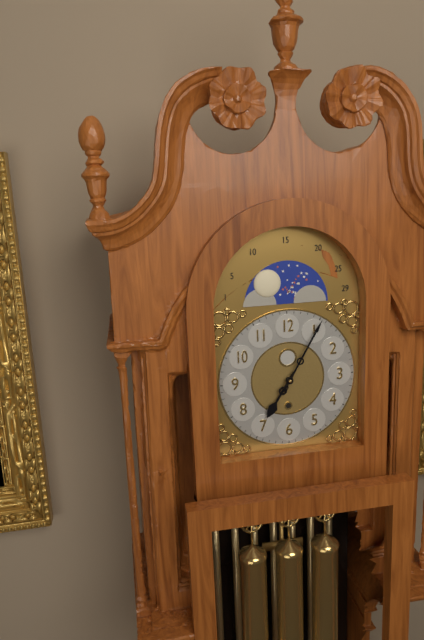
7:05
